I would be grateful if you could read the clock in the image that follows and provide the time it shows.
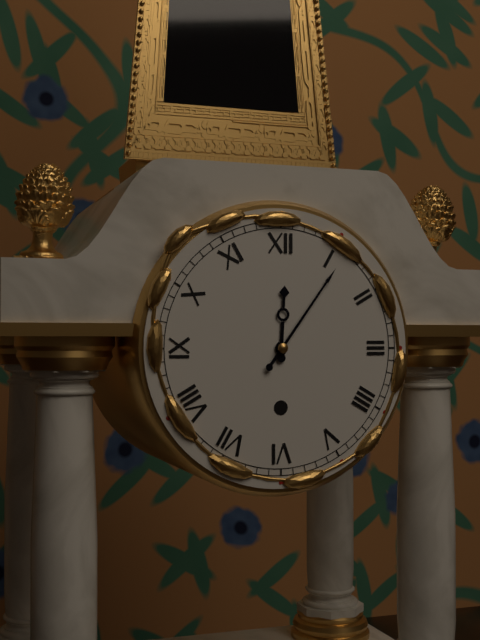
12:06
